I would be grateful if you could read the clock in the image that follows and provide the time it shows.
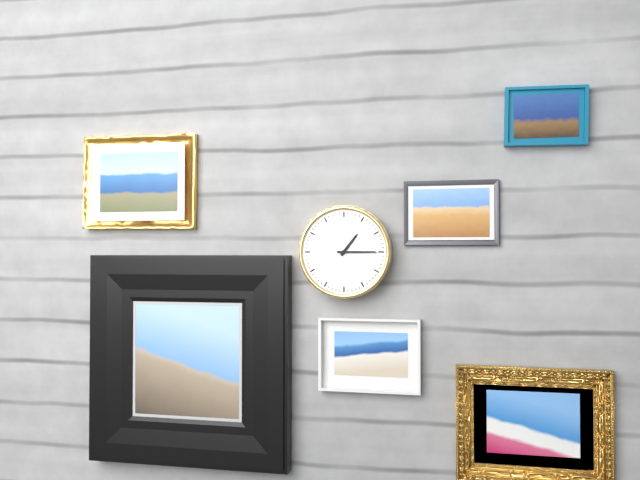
1:15
